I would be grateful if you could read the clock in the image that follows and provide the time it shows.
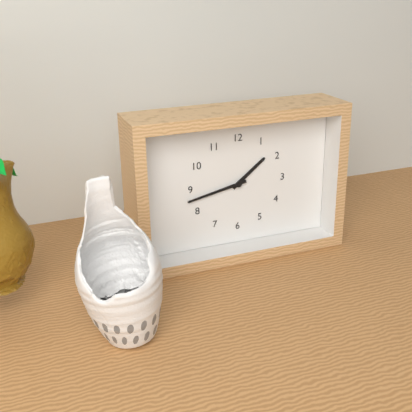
1:43
